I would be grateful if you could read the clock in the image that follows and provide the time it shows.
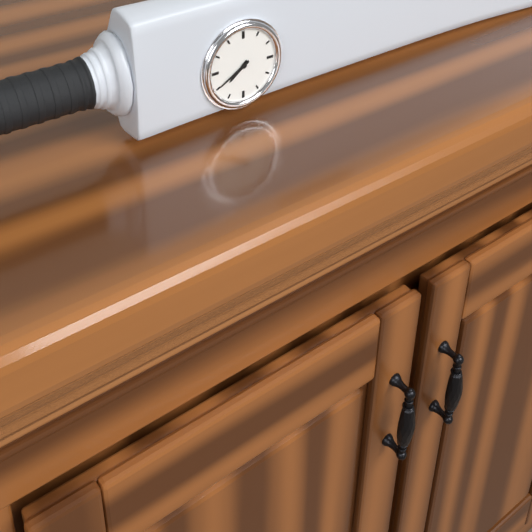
7:40
